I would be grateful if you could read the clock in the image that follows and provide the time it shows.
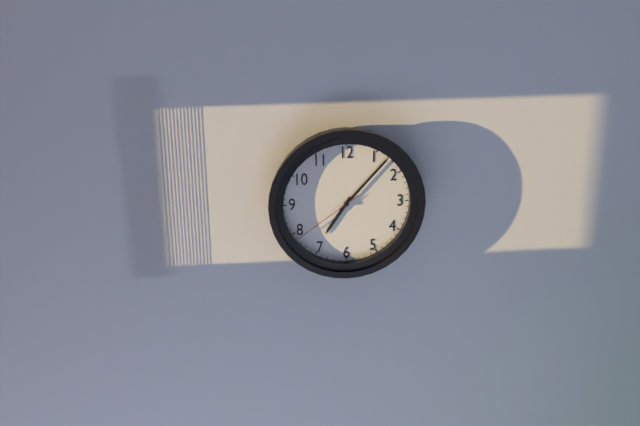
7:07:39
